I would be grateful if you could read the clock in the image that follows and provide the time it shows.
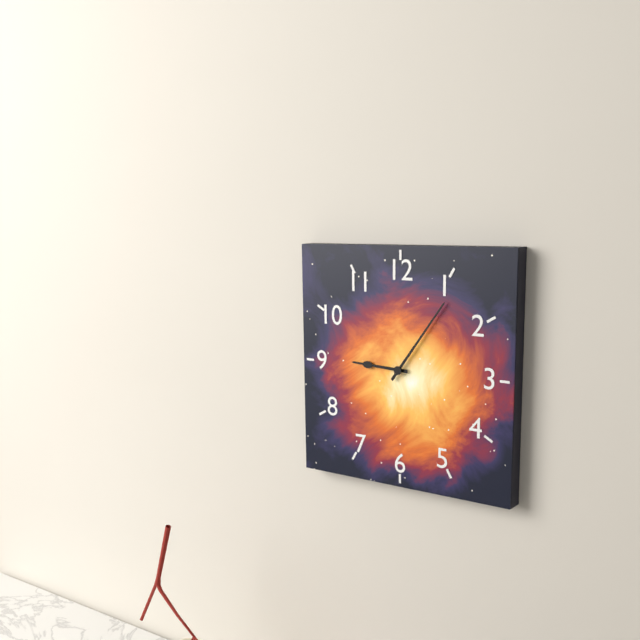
9:06
